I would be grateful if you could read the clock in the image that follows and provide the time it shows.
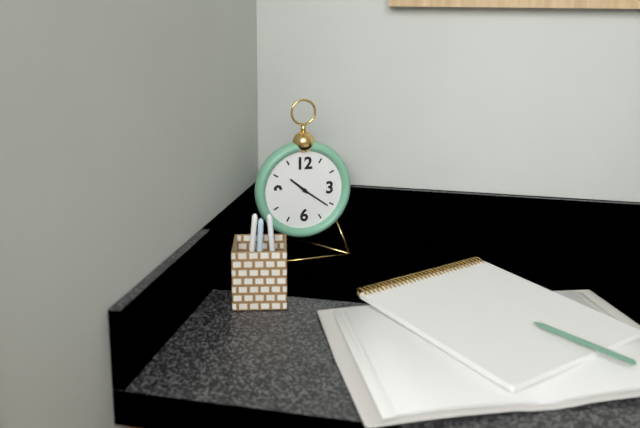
10:21
